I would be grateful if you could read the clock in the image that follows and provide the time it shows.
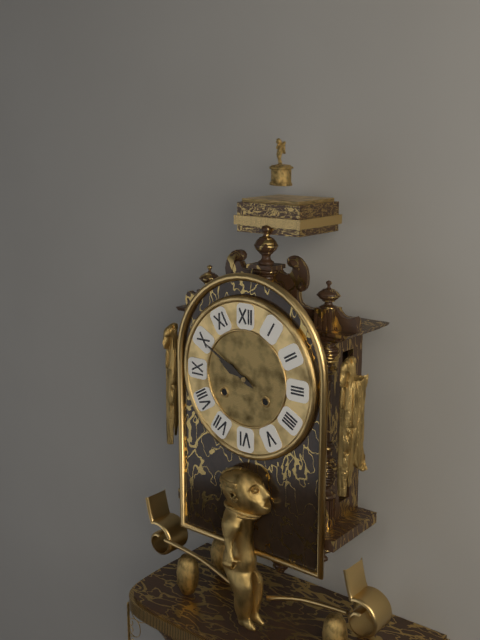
9:50
